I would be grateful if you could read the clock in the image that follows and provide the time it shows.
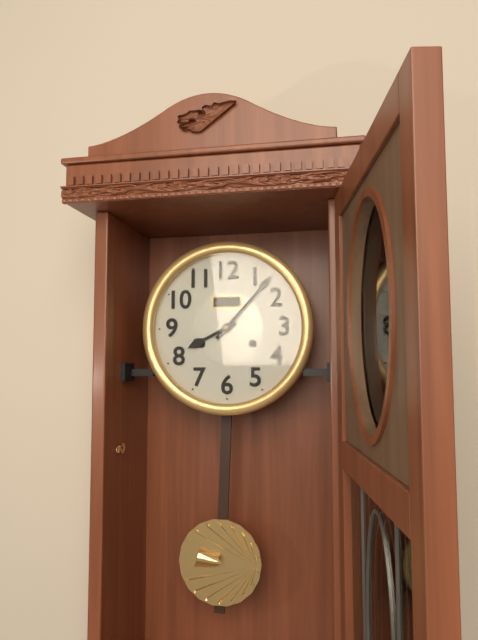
8:07
